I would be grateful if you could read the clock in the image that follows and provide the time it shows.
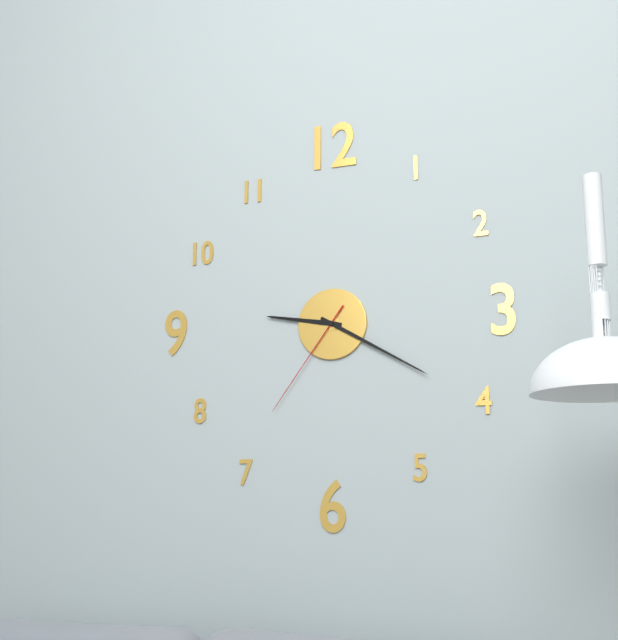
9:20:36
